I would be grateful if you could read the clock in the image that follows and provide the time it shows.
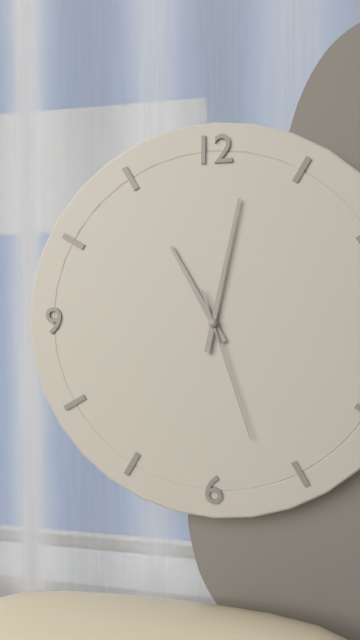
11:02:27
